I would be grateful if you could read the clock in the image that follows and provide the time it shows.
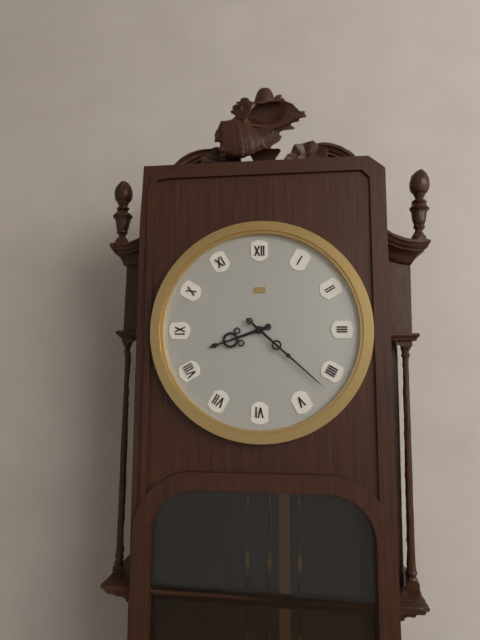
8:22
